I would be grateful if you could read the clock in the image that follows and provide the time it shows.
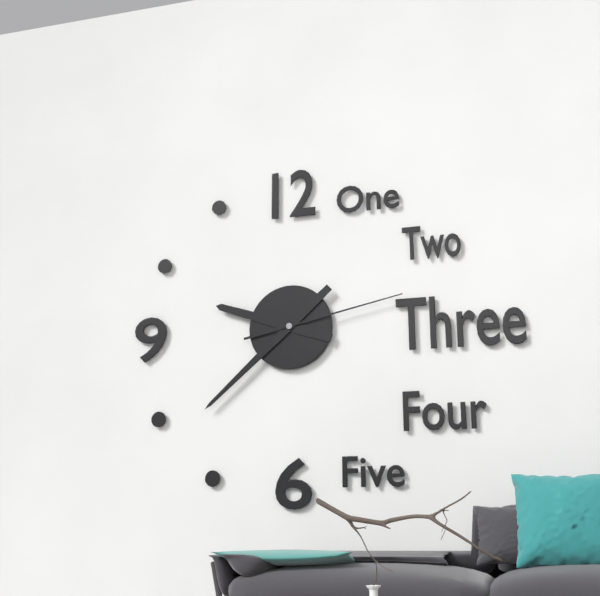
9:38:13
